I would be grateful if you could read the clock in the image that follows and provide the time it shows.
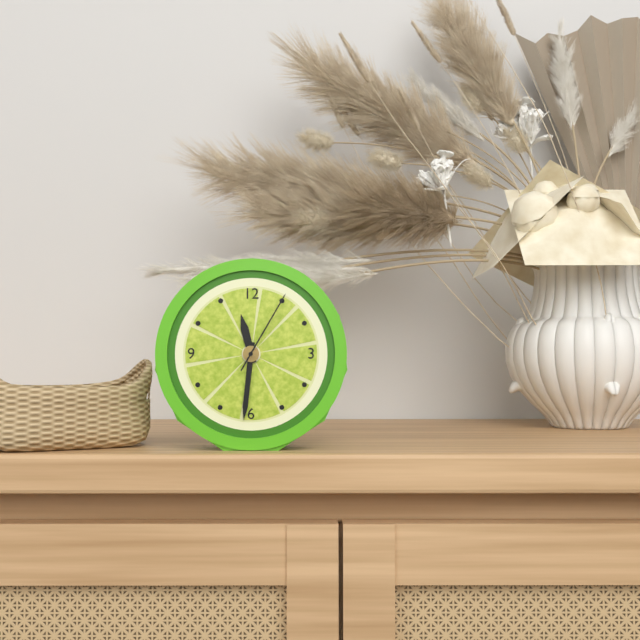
11:31:05
